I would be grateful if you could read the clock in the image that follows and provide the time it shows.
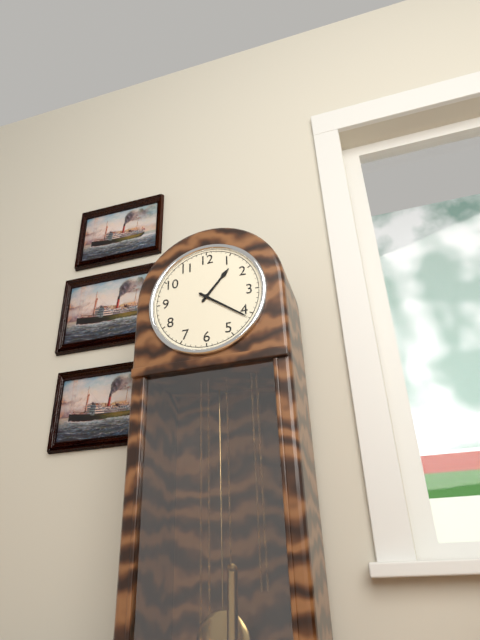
1:21
